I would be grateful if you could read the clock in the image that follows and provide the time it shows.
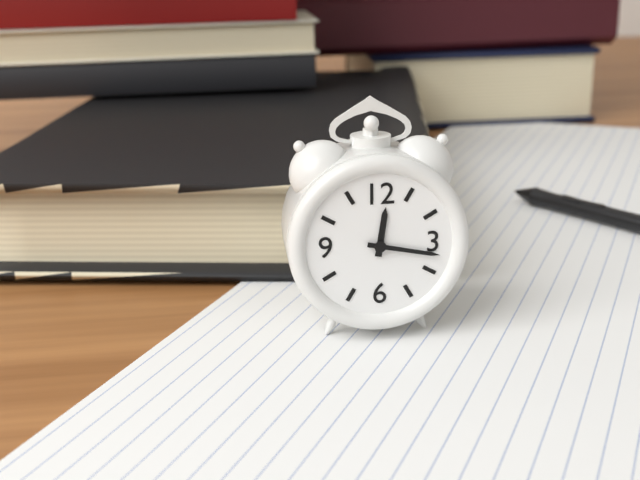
12:17
